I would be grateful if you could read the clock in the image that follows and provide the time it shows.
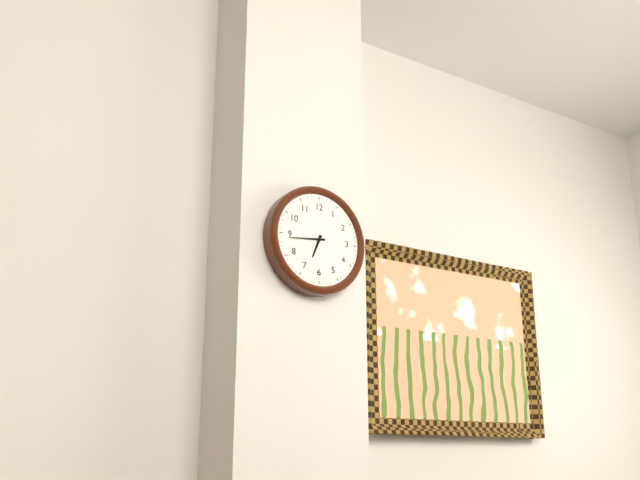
6:44
